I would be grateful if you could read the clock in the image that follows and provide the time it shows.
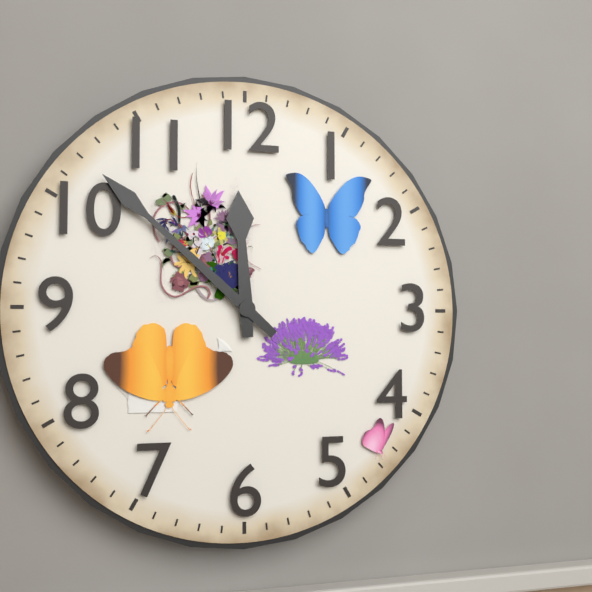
11:52
